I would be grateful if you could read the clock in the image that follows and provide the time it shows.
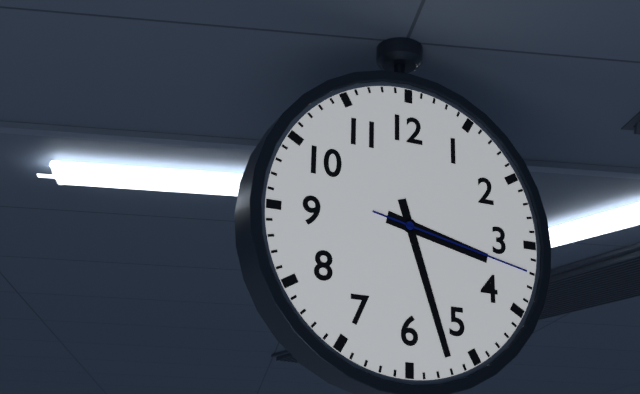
3:27:17
